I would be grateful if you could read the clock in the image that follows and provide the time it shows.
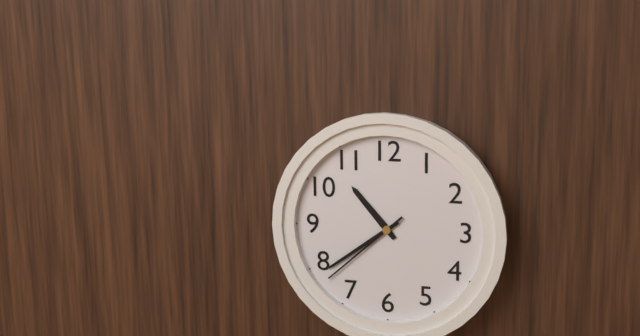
10:39:38
